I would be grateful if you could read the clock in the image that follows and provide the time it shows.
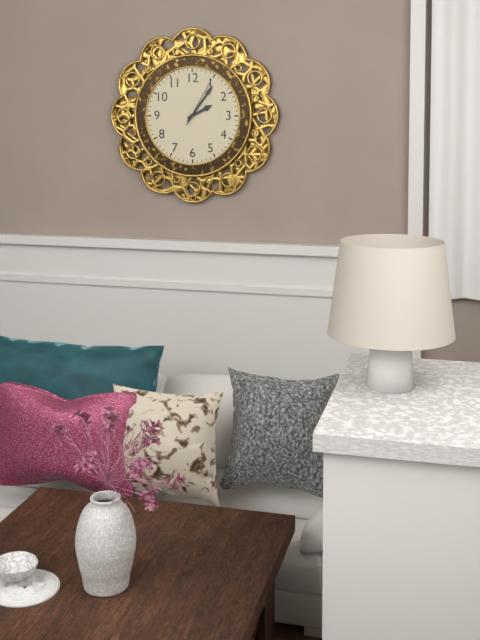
2:06:05
